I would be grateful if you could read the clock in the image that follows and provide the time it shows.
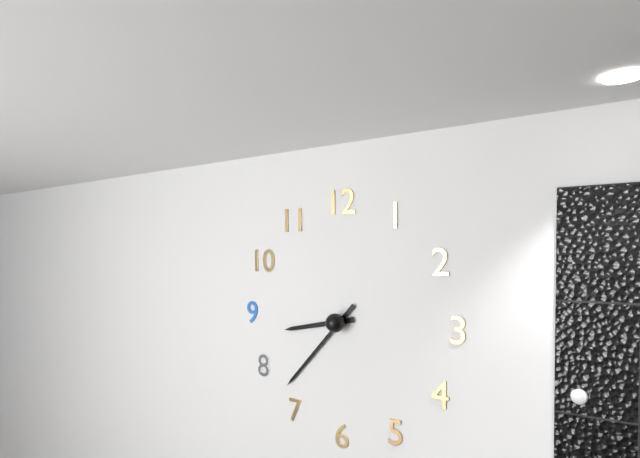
8:37
